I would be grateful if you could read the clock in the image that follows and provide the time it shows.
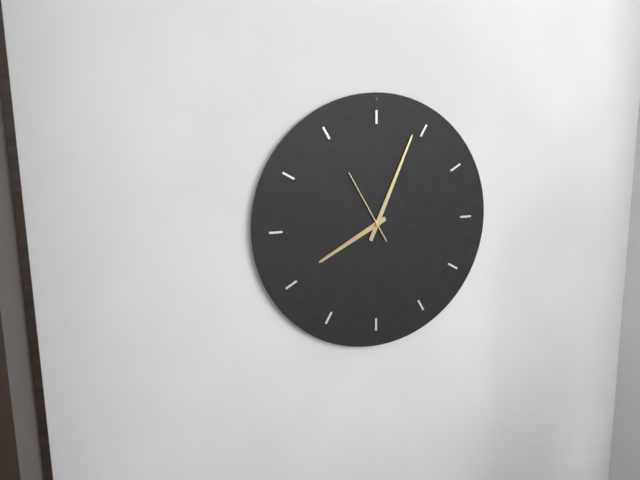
8:04:55
